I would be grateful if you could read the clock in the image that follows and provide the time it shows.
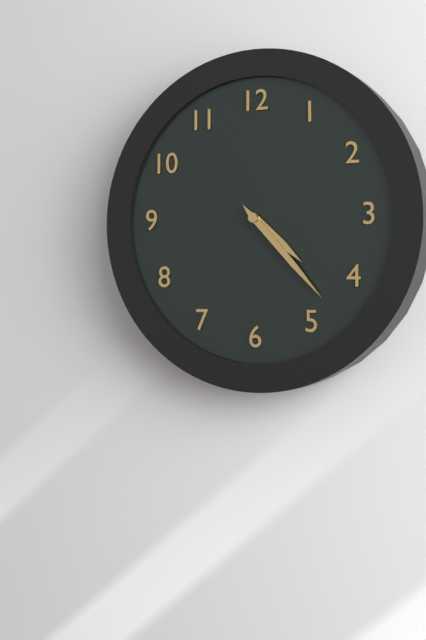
4:23
